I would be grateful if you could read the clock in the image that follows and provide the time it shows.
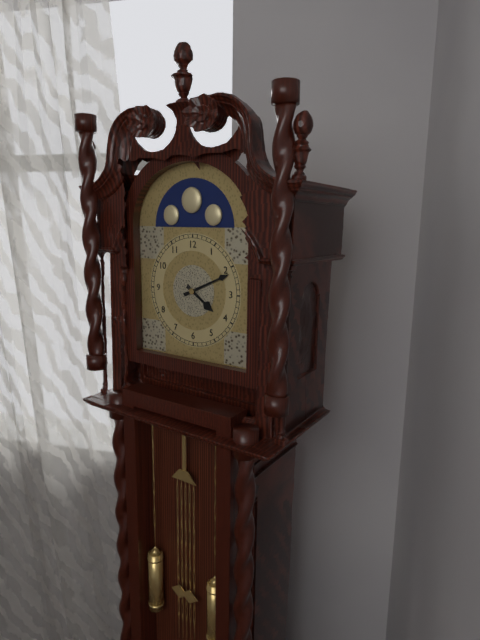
4:11
